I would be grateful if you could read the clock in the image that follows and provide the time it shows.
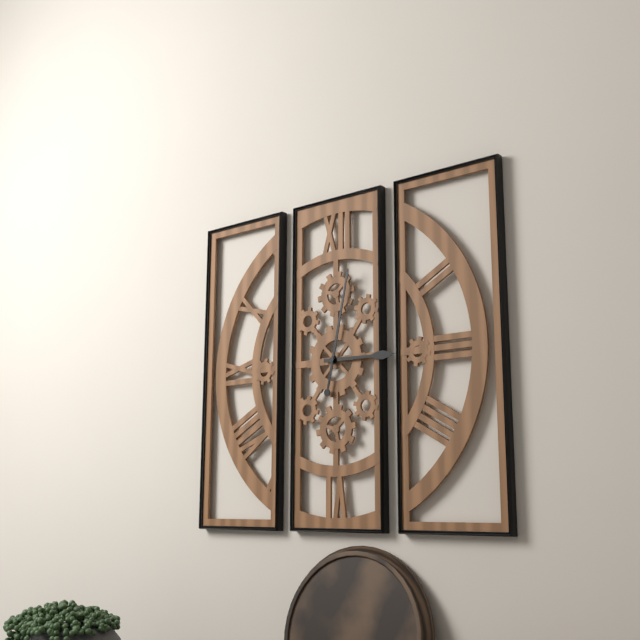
3:02
